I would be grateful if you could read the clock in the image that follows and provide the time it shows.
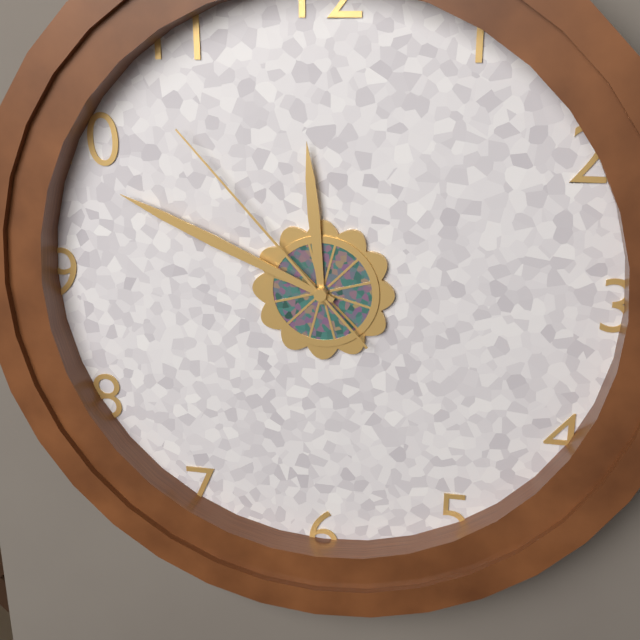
11:49:53
